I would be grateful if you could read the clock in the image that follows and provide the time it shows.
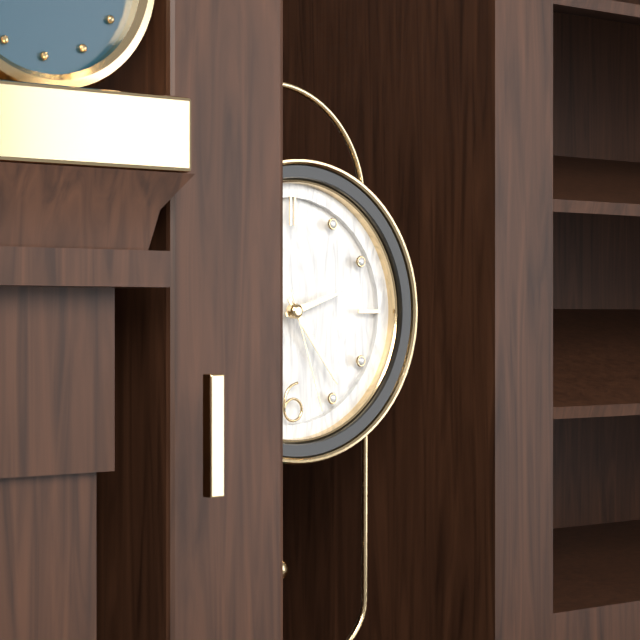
2:24:27
